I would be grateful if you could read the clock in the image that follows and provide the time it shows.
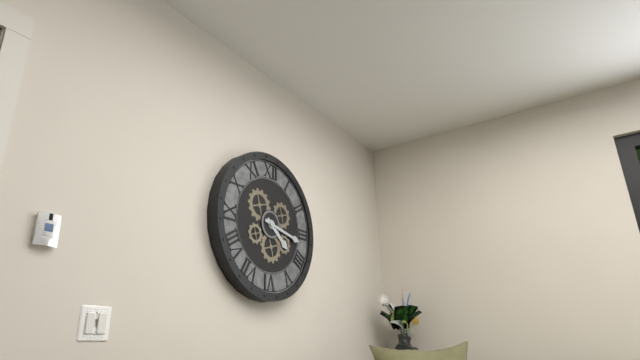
4:17
